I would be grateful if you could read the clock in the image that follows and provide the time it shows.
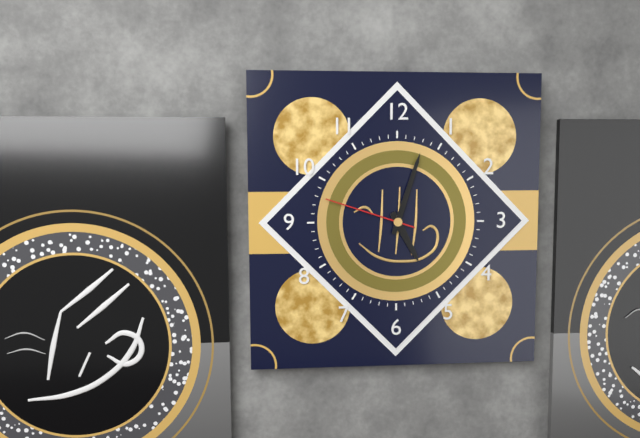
5:03:48
